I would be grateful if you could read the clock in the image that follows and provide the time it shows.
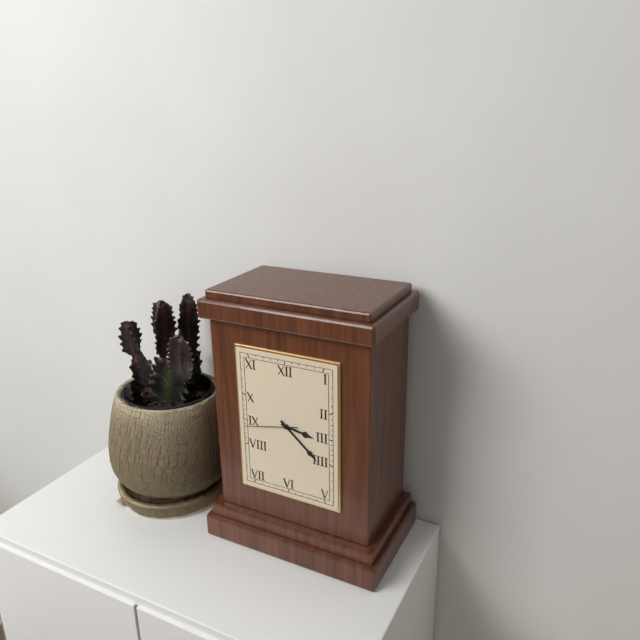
3:22:43
